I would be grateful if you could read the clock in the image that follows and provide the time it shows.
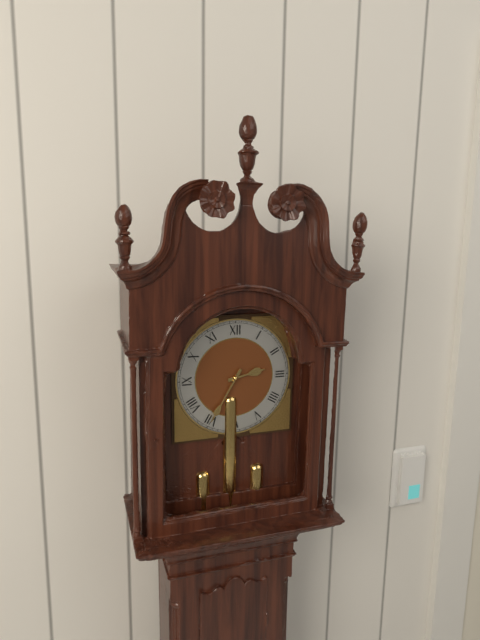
2:35
